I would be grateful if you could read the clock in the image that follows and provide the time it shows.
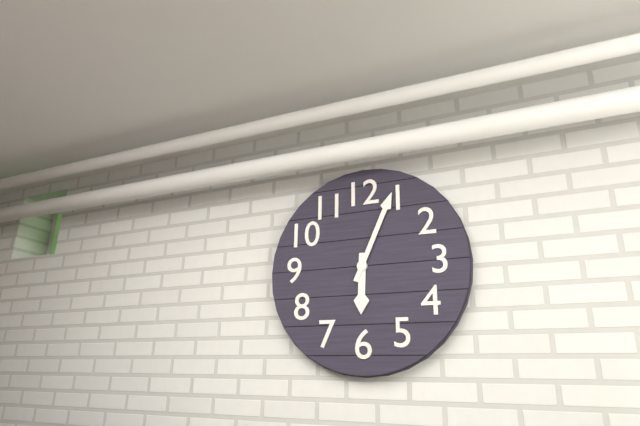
6:04
